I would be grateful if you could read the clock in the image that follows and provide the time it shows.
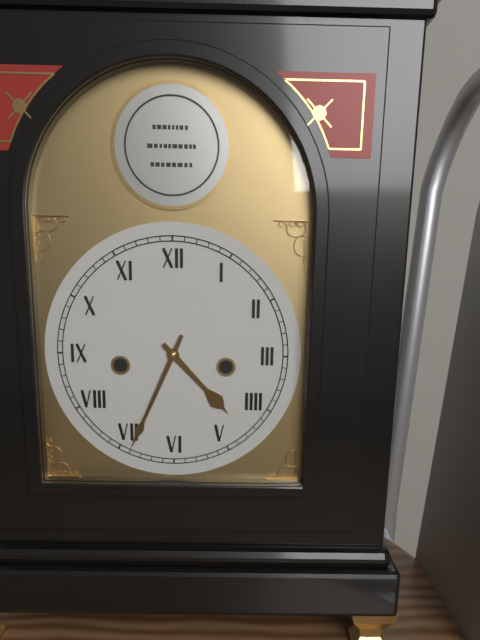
4:34
